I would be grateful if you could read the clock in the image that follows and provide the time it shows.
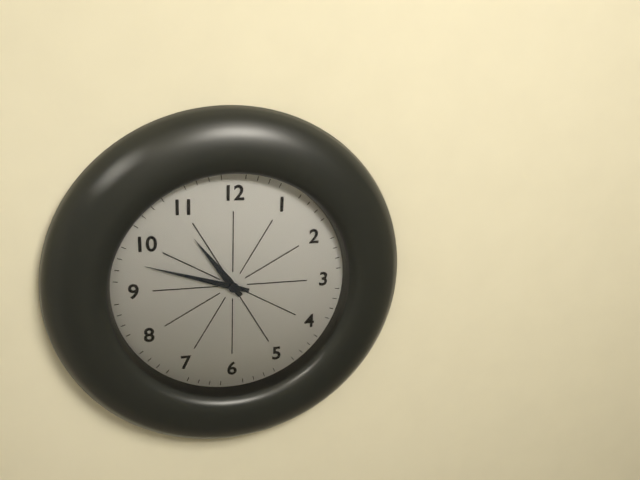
10:48
